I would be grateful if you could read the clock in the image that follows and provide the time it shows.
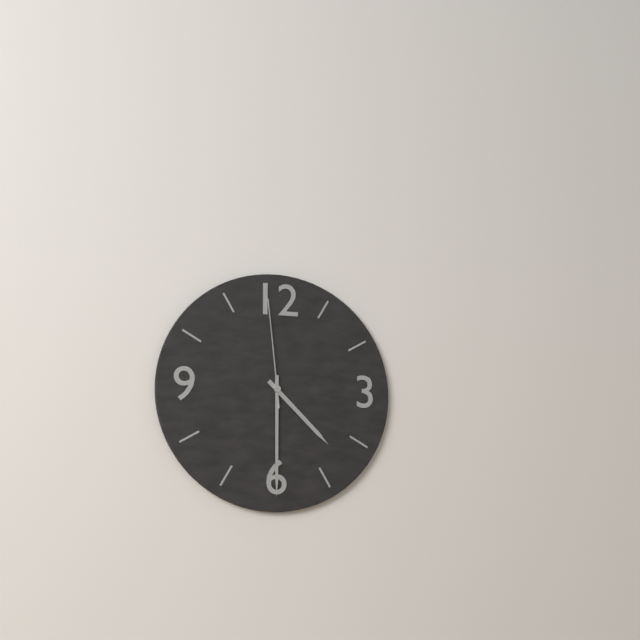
4:30:59
